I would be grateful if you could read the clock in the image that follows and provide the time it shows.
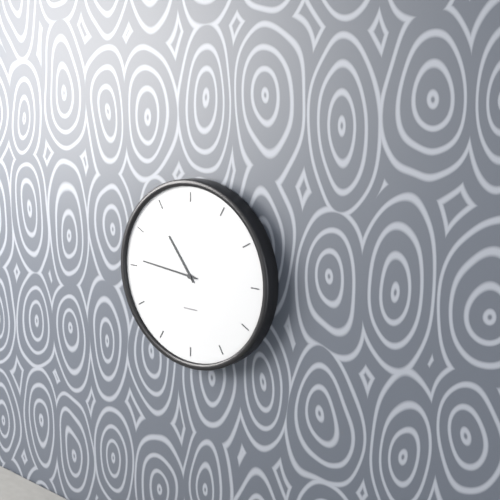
10:46
